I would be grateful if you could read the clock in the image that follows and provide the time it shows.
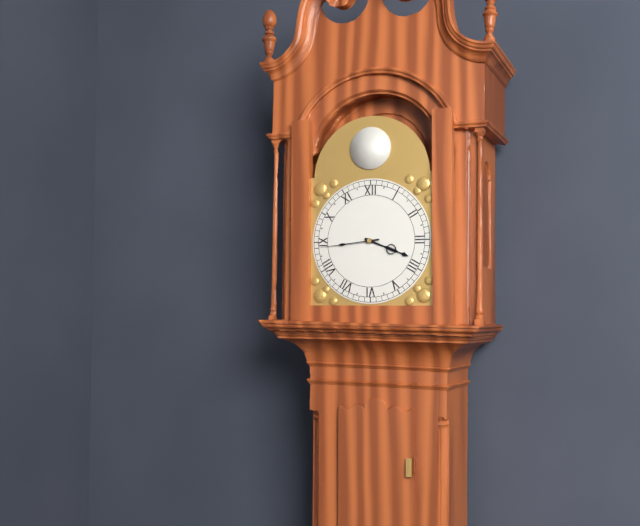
3:44
